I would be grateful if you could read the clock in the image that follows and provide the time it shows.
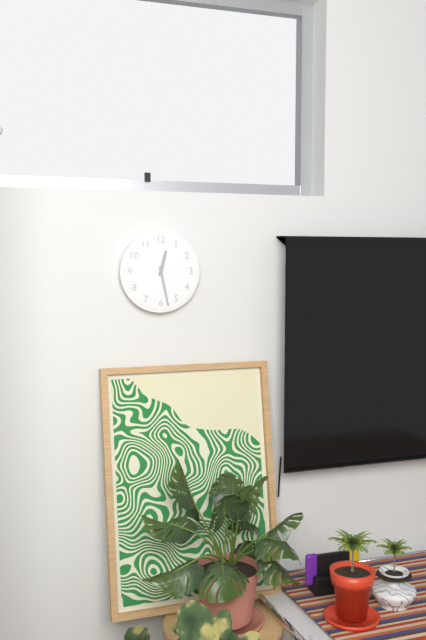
12:28
